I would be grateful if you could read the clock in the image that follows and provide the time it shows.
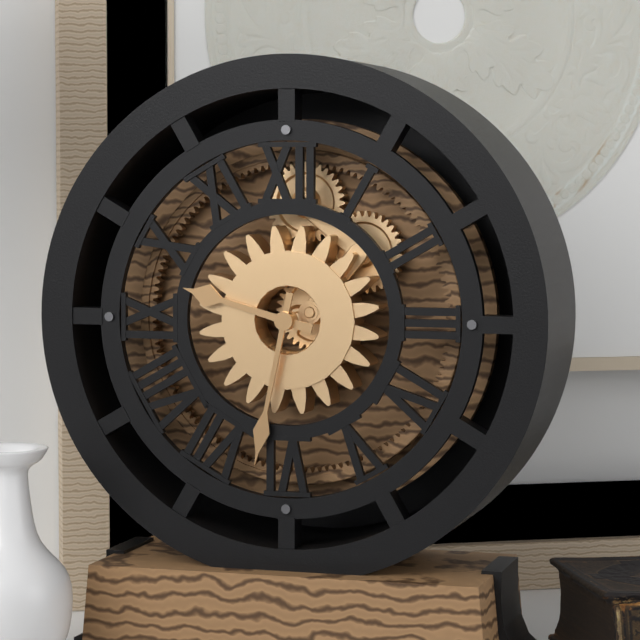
9:32
